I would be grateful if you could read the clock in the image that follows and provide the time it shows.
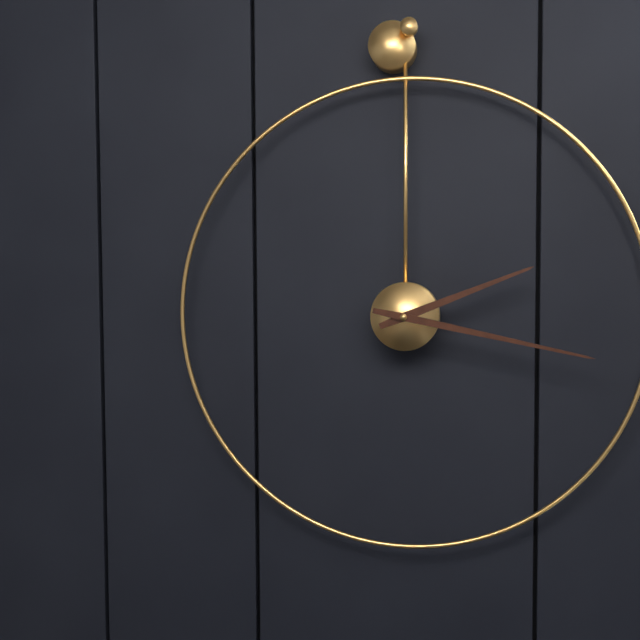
2:17
